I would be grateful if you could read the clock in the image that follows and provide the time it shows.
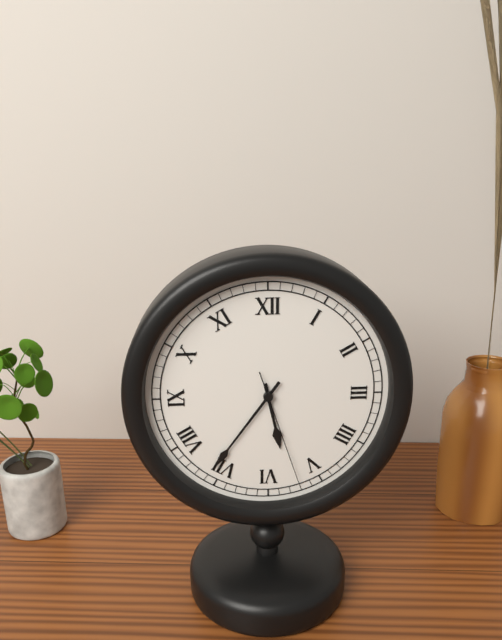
5:36:27
